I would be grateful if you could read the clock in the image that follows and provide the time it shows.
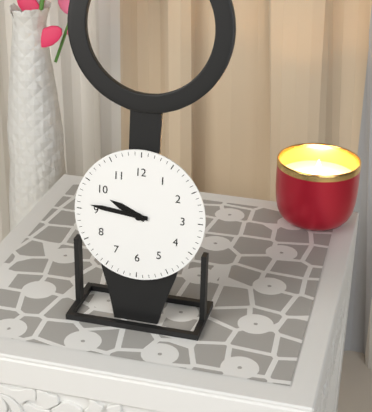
9:46
